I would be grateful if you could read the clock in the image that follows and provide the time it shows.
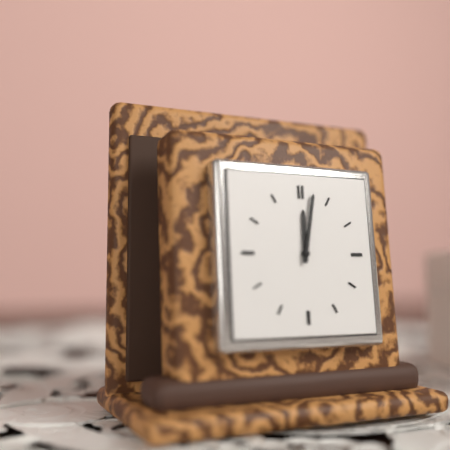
12:02
